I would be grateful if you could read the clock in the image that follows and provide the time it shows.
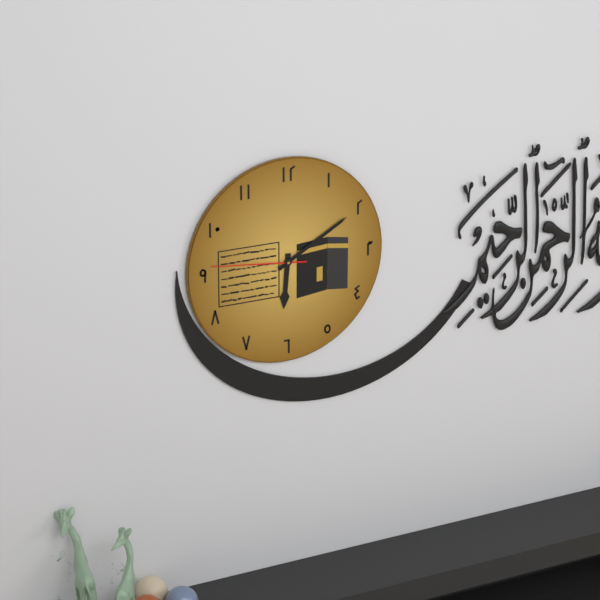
6:10:46
